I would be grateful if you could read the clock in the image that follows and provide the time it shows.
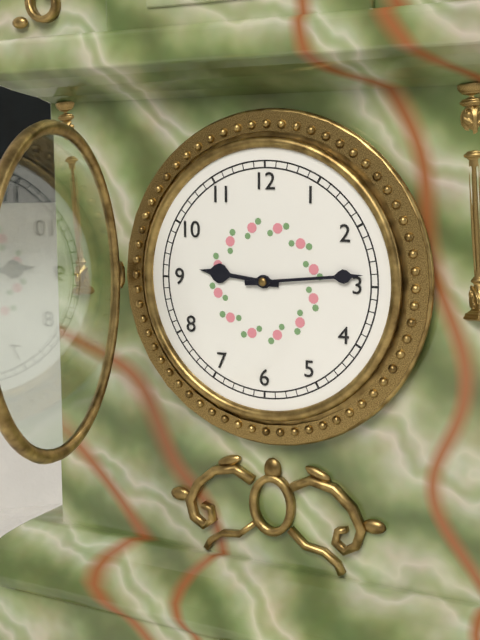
9:14
